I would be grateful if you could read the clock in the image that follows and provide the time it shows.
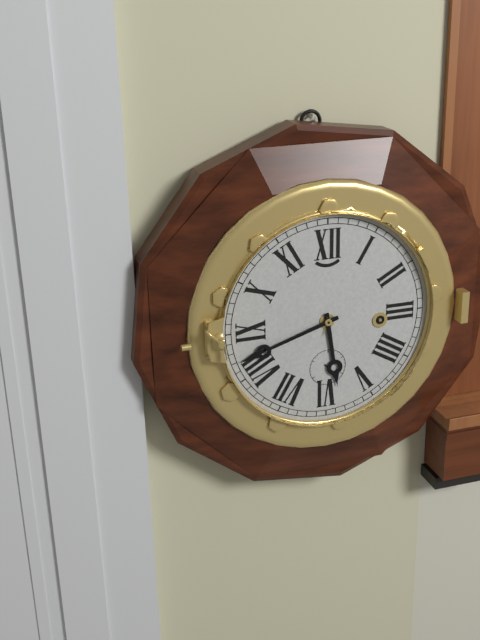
5:42:23
